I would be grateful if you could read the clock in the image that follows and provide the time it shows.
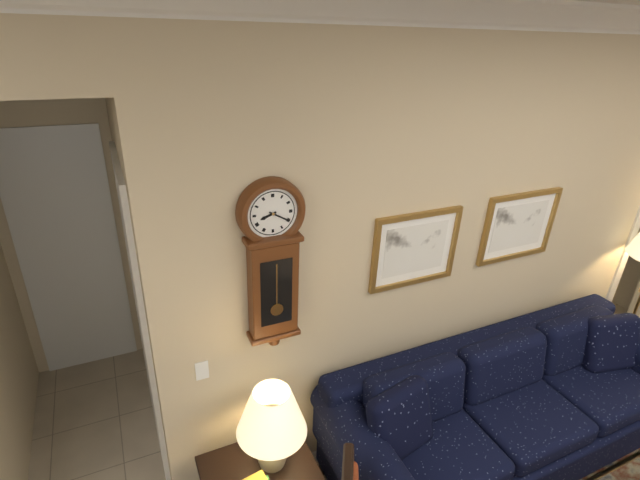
8:20
